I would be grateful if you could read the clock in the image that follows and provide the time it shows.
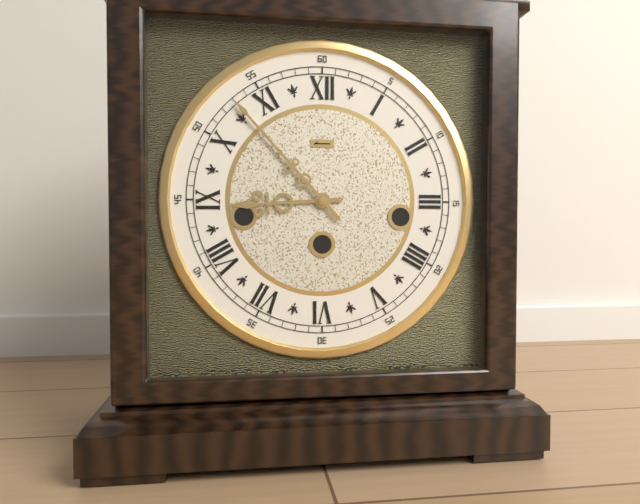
8:53
